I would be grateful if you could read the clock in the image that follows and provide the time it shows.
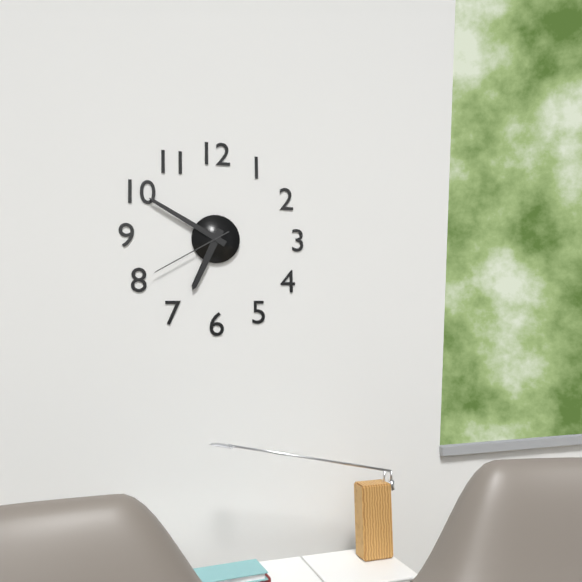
6:50:40
